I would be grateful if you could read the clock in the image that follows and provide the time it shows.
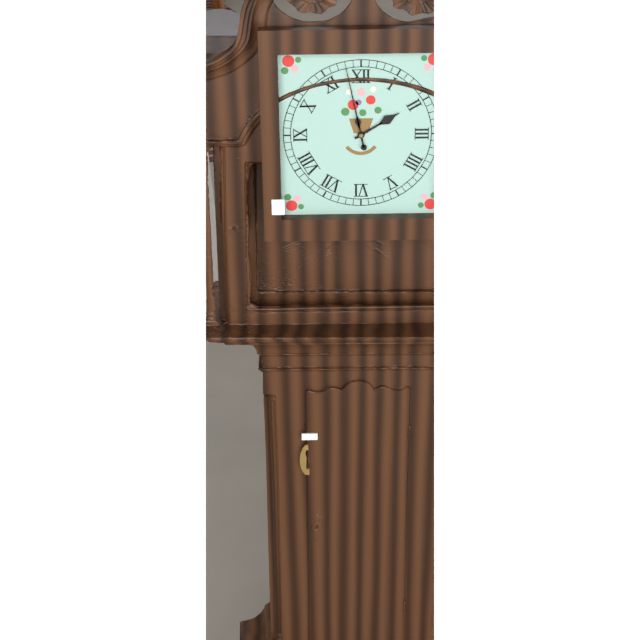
1:58
